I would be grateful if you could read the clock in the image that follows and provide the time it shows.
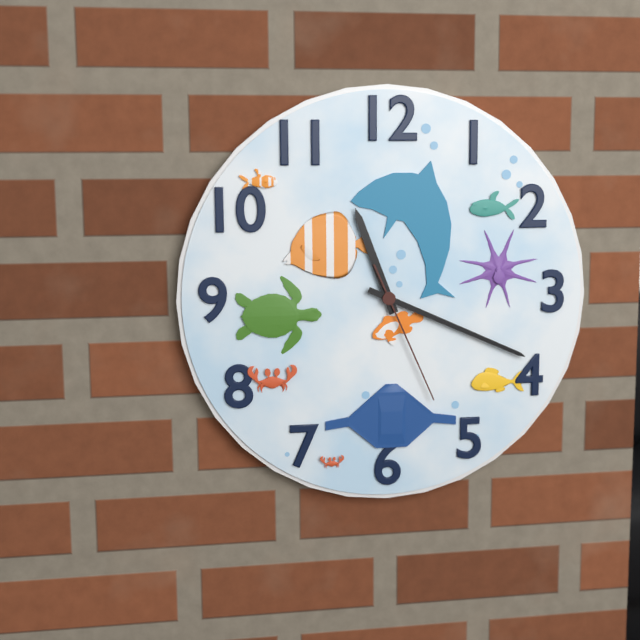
11:19:26
